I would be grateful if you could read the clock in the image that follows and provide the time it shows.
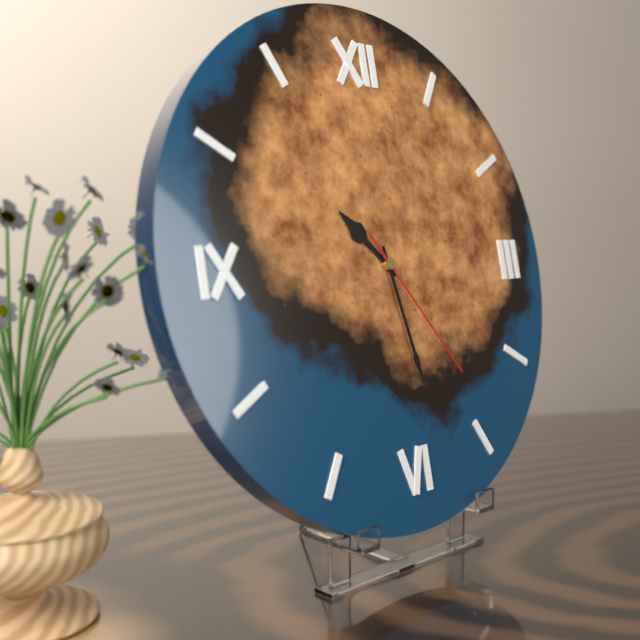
10:28:24
